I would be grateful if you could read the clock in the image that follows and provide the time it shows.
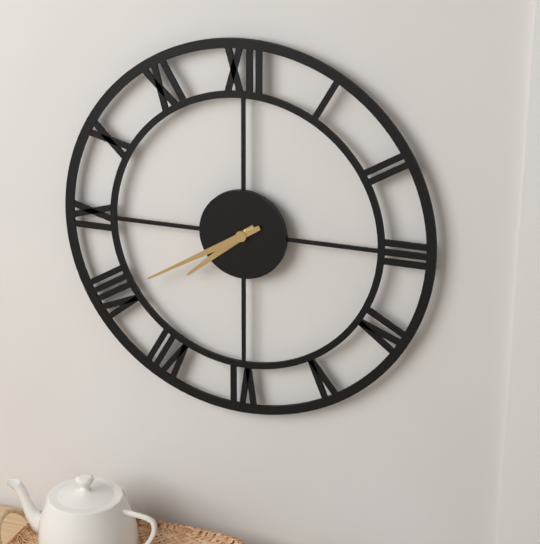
7:40
